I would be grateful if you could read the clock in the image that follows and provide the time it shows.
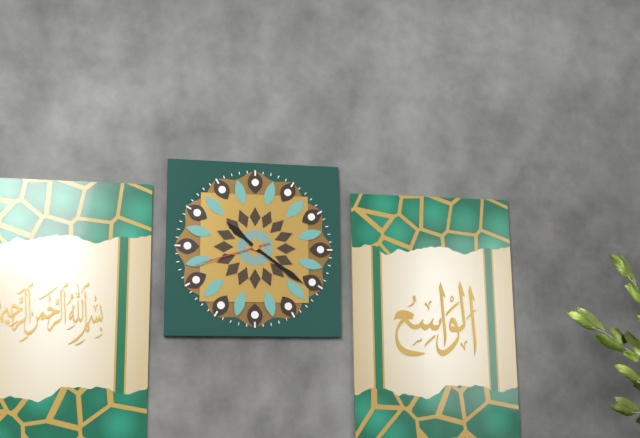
10:21:42
